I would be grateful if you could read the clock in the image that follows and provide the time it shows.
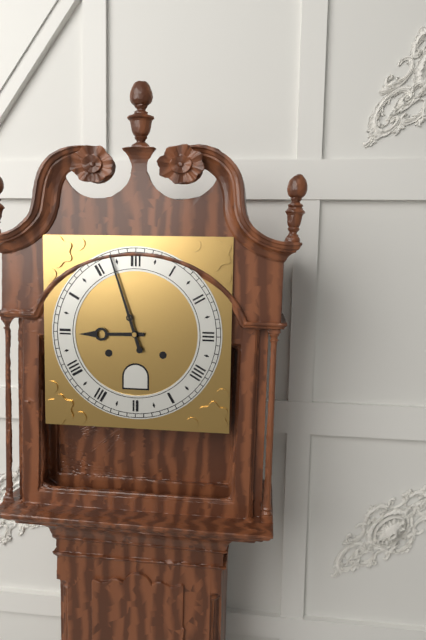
8:57
